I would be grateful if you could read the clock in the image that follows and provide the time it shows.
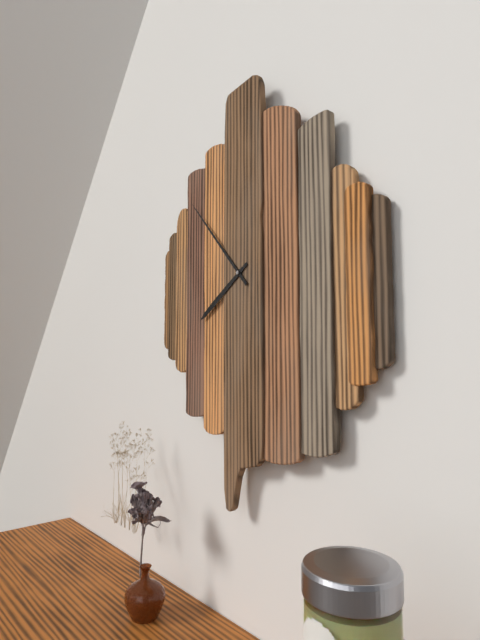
7:53
